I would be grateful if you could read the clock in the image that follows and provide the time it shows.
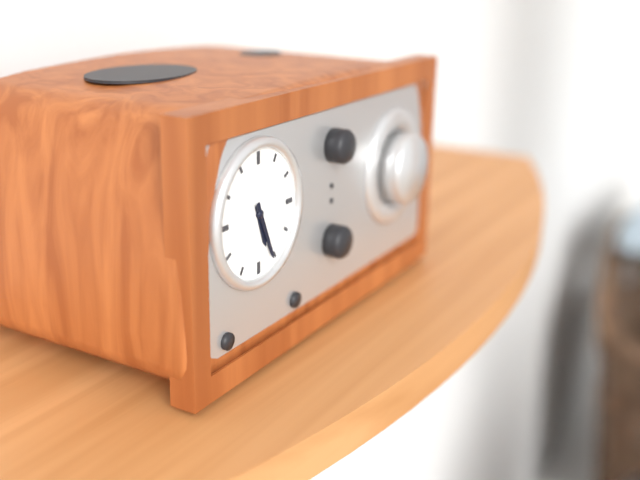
5:26
